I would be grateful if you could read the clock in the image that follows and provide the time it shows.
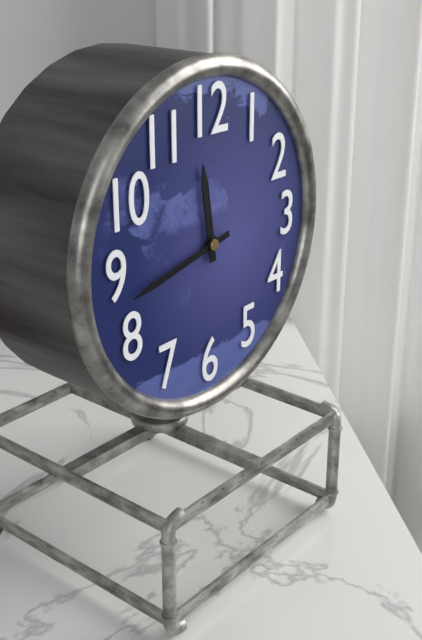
11:43
